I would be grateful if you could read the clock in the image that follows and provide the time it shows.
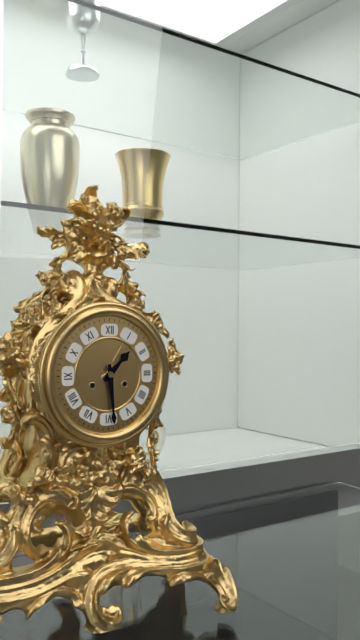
1:29
